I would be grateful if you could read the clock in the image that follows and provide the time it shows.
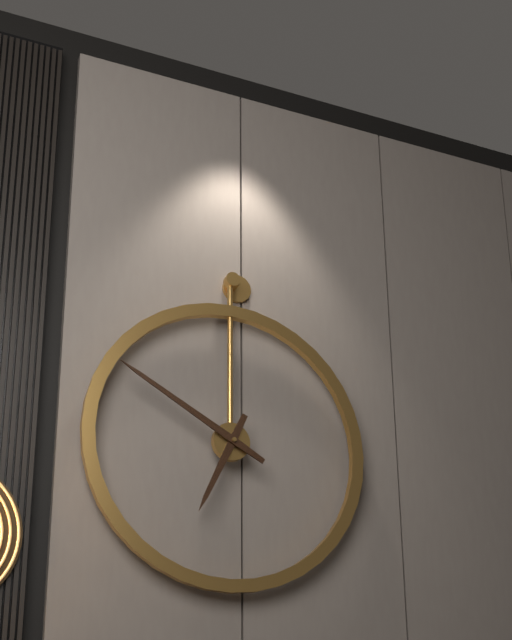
6:50
